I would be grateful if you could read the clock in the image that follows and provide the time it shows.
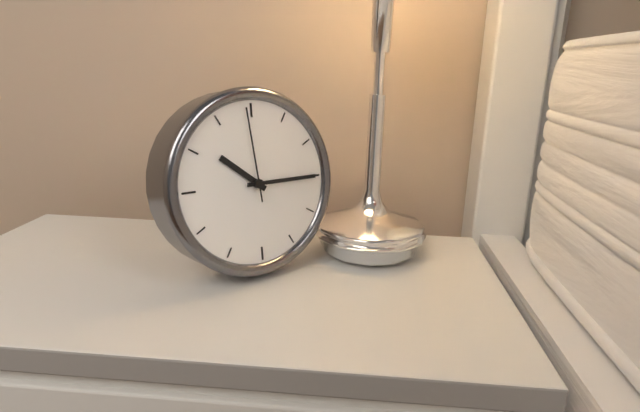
10:15:59
